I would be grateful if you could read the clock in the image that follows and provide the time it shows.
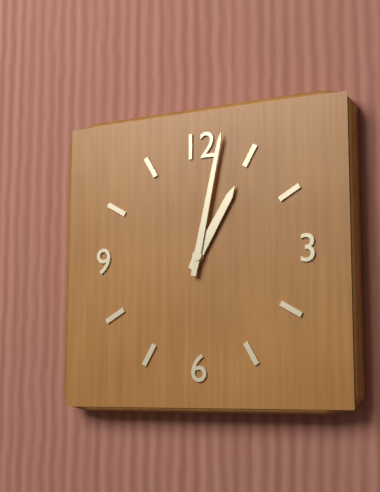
1:02
